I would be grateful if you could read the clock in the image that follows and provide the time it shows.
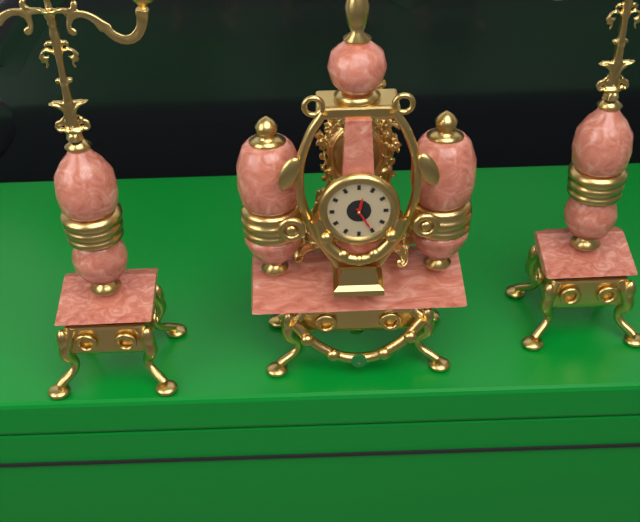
12:25
